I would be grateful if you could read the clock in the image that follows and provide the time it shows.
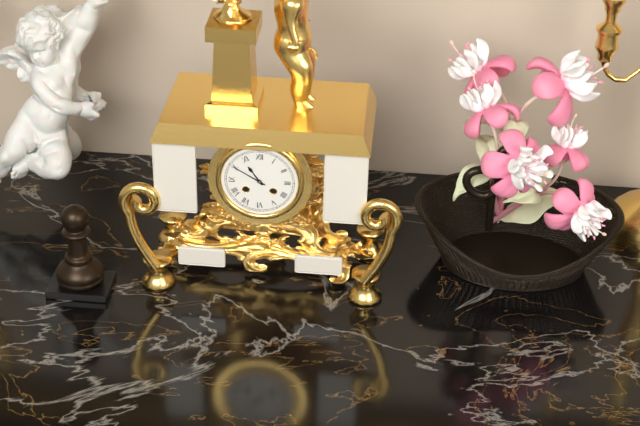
10:50
